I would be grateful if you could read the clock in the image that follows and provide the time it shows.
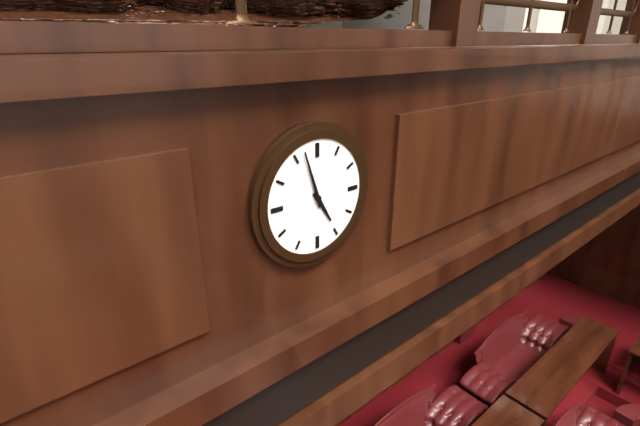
4:57
